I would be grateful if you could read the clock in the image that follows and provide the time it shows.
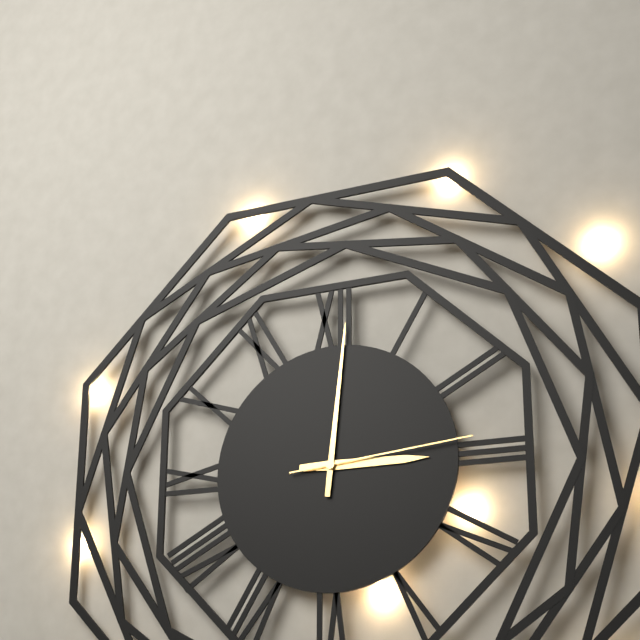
3:01:14
